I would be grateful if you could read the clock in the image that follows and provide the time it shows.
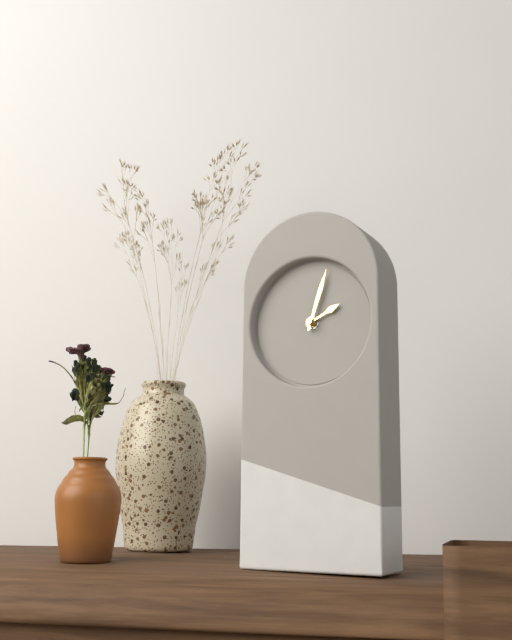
2:03
